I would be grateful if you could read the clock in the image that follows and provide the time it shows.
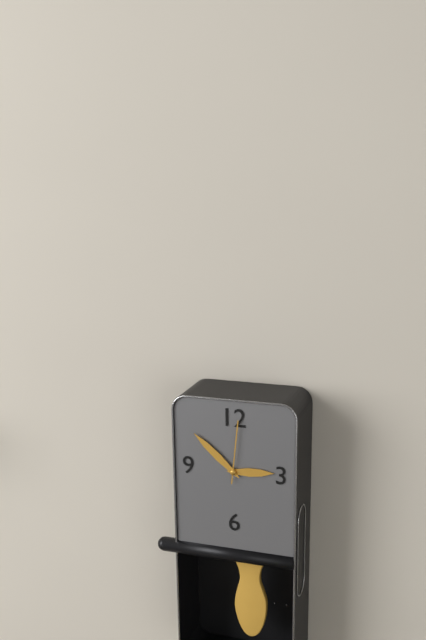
2:52
